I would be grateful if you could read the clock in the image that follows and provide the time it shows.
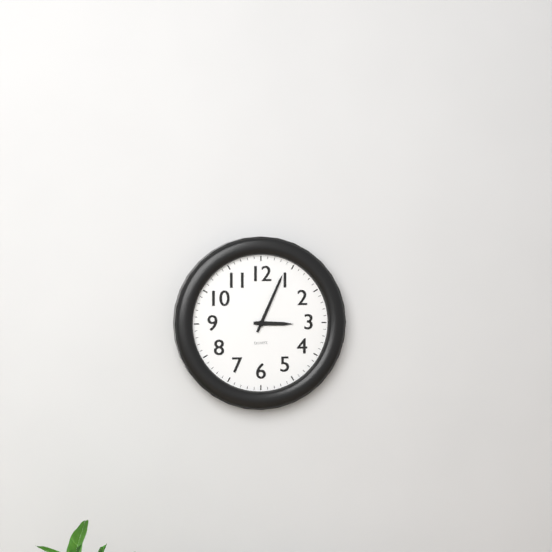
3:04
